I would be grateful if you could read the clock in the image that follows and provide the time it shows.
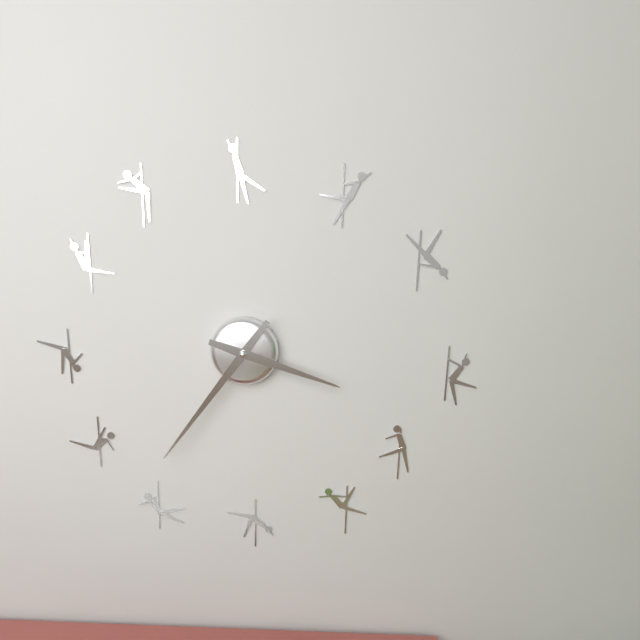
3:36
